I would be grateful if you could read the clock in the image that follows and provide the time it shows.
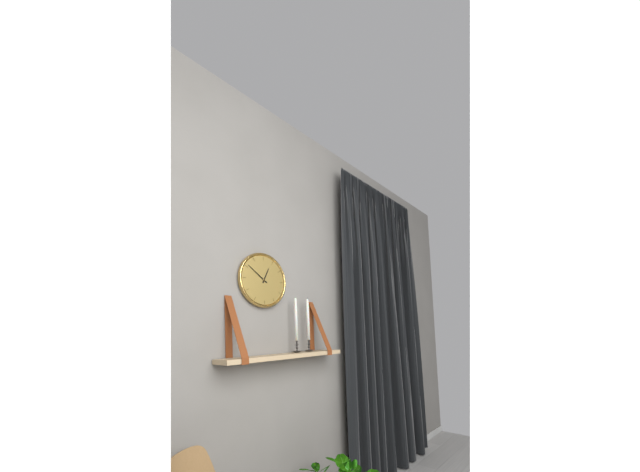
12:51
